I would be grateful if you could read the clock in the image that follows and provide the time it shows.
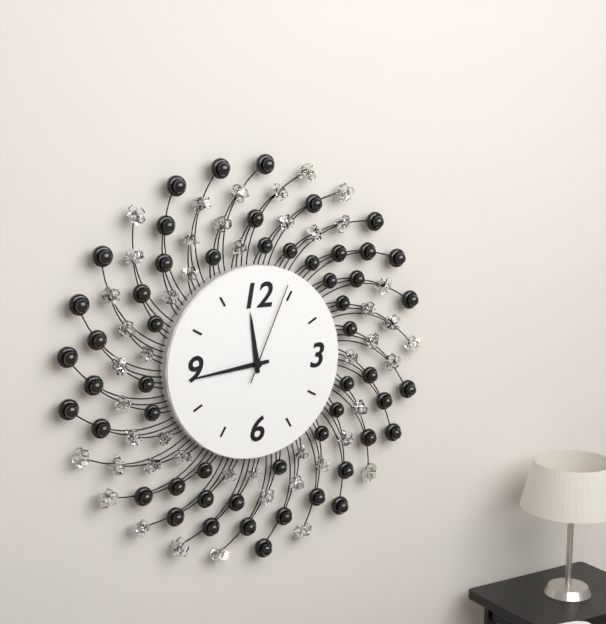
11:44:04
